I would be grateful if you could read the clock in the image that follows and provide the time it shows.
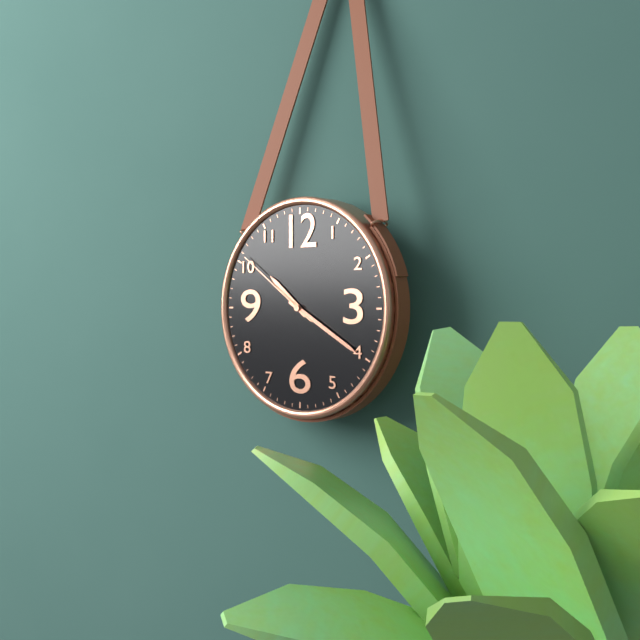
10:20:51
